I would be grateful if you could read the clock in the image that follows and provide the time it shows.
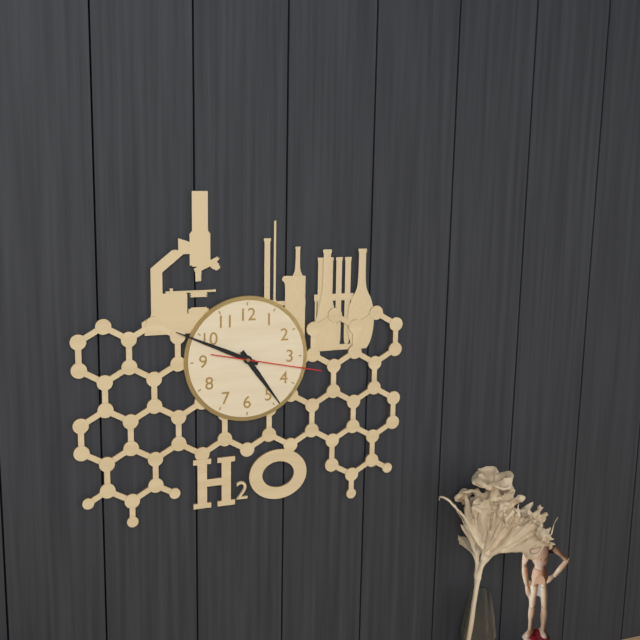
4:49:17
